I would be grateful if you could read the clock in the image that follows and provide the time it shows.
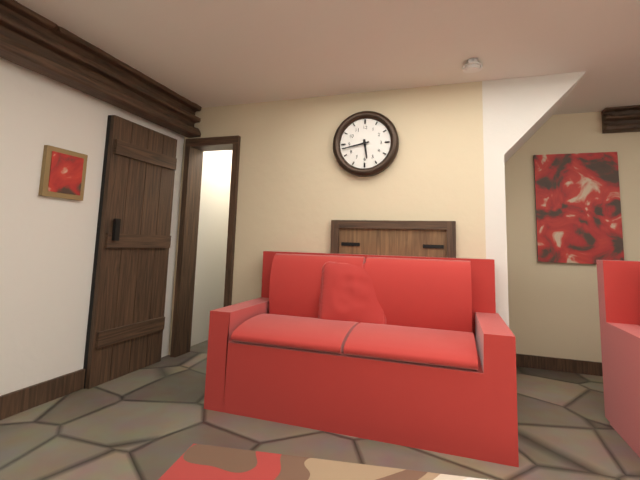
5:43
